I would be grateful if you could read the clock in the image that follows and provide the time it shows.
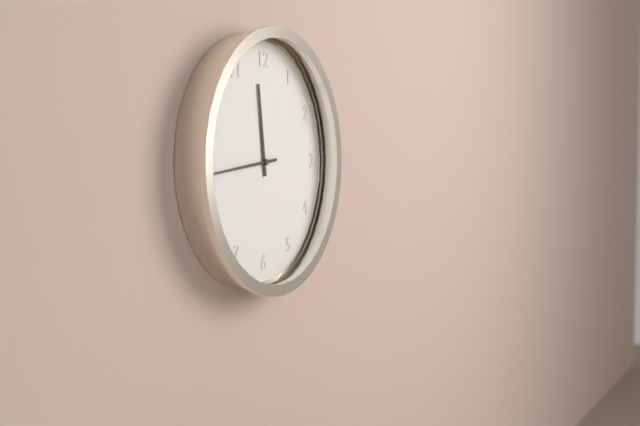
11:44
